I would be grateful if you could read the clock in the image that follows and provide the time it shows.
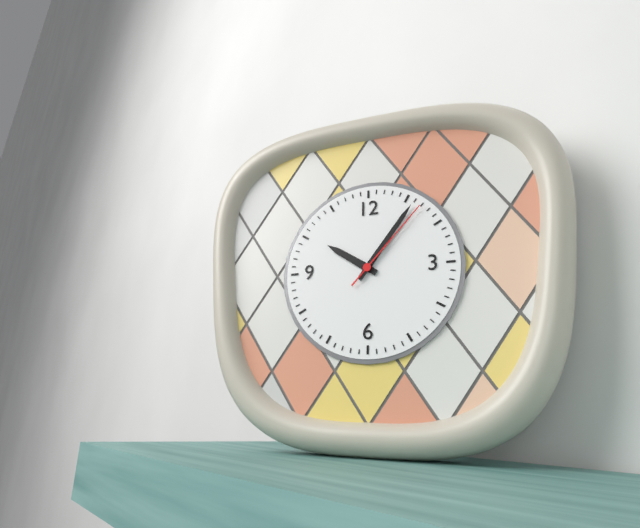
10:06:07
